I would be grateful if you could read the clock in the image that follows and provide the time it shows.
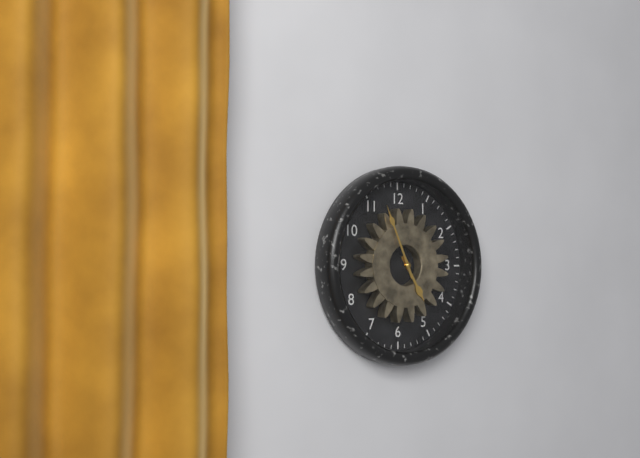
4:56
